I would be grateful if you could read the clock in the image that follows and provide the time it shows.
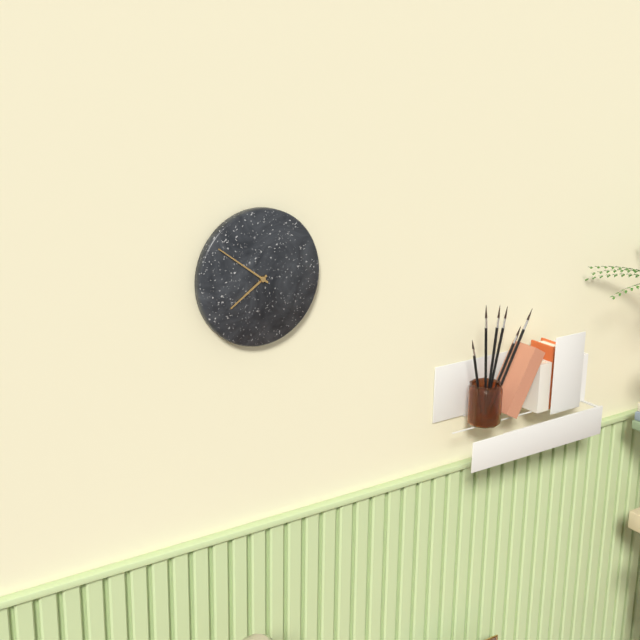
7:51
